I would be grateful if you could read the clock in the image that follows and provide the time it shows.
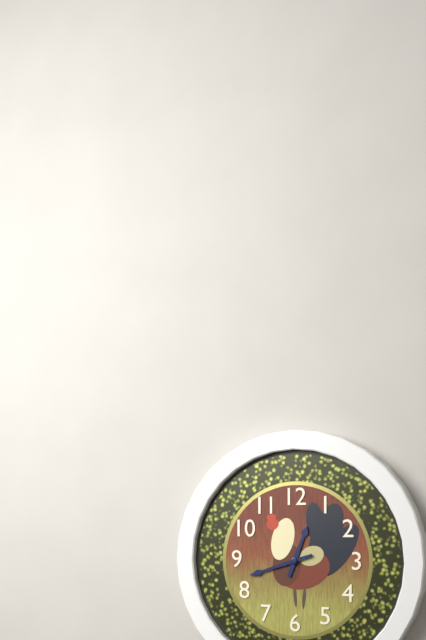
12:42
